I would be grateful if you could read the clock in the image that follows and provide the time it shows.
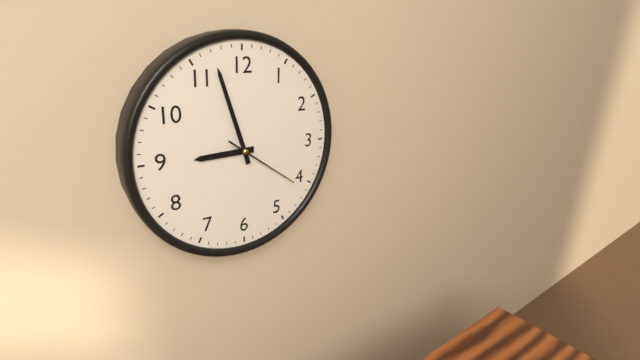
8:57:21
